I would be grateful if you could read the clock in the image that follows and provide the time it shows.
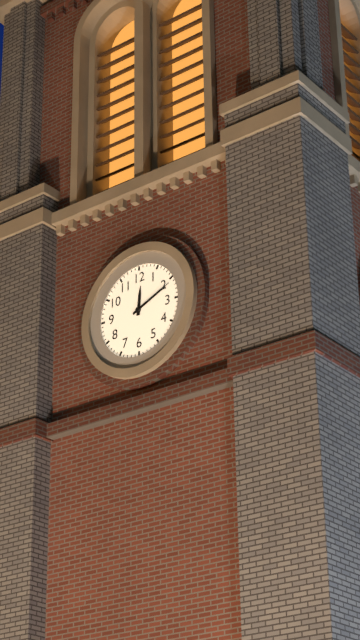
12:11
